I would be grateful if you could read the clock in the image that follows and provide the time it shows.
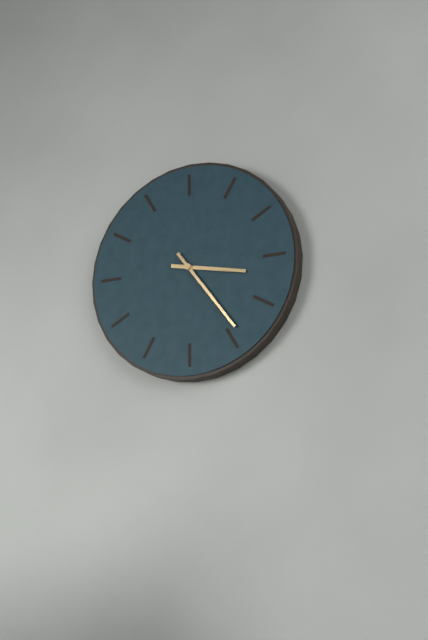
3:24
